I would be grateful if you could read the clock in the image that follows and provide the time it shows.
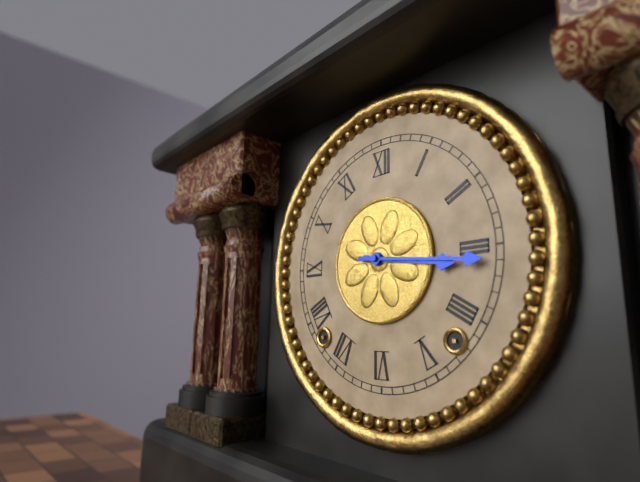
3:16
